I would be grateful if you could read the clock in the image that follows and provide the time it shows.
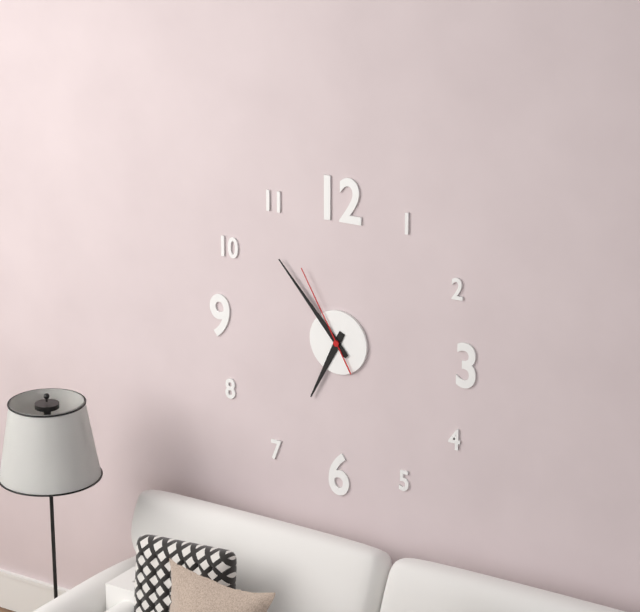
6:53:55
